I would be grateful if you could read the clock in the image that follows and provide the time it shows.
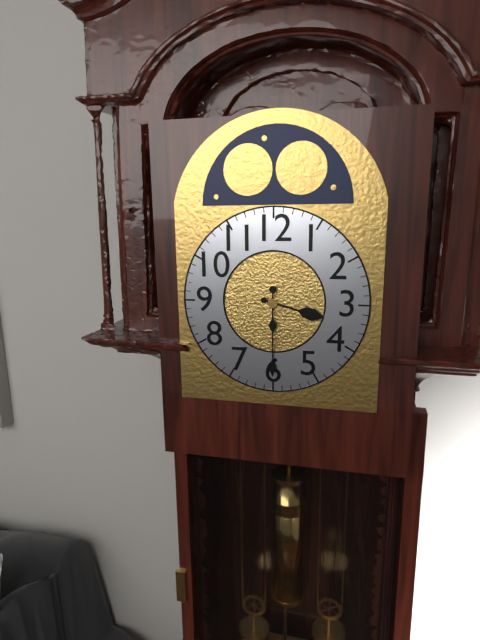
3:30
